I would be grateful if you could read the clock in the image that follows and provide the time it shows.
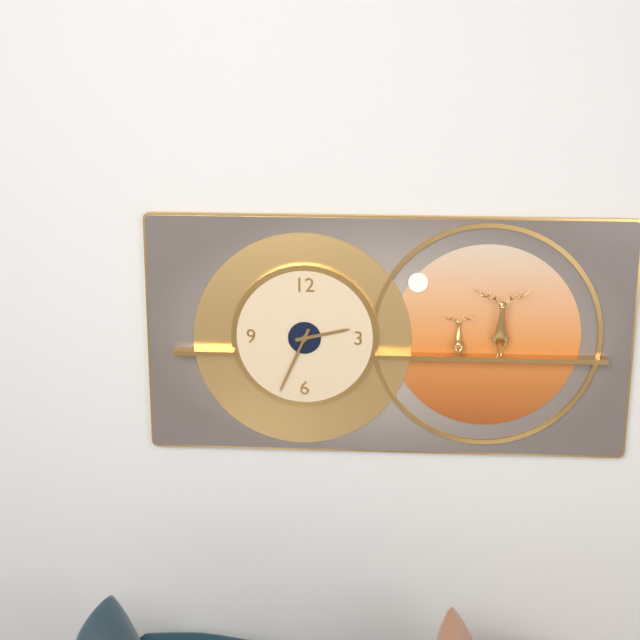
2:34
